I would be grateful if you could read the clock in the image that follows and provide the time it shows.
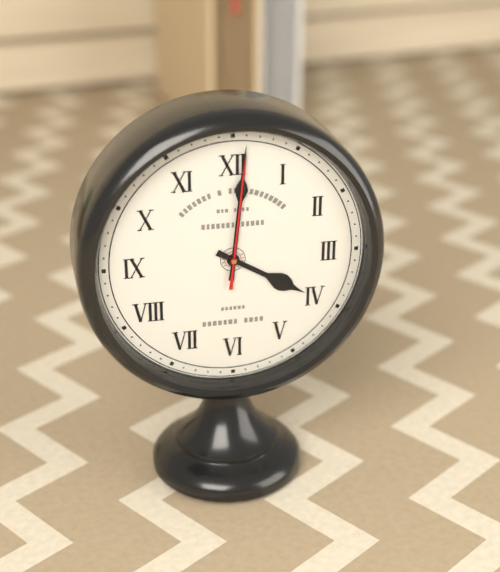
4:01:01
